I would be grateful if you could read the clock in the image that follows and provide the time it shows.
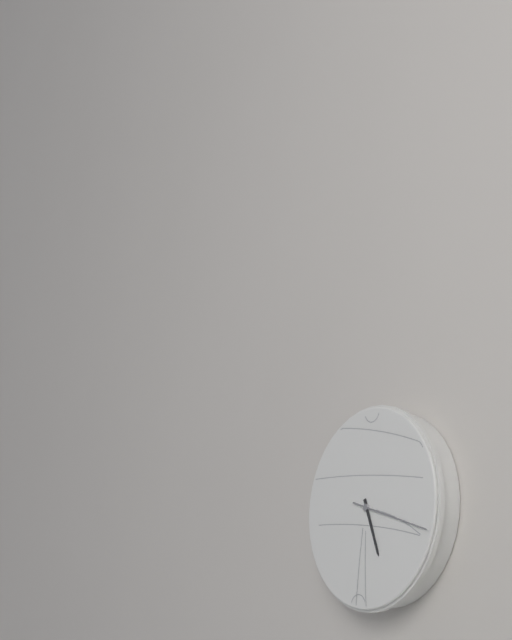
5:18
